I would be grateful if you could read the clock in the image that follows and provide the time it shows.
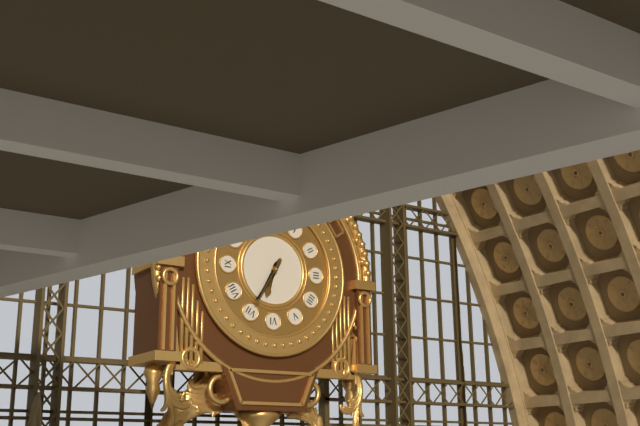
6:35
